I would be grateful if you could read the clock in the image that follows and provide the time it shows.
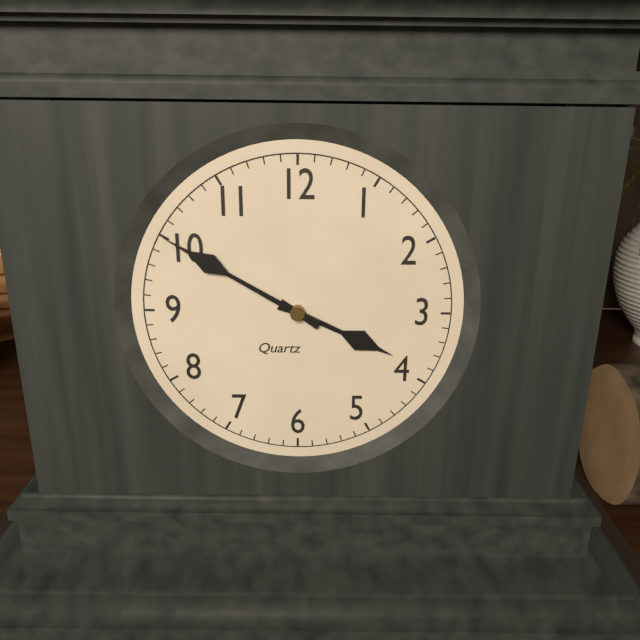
3:50
